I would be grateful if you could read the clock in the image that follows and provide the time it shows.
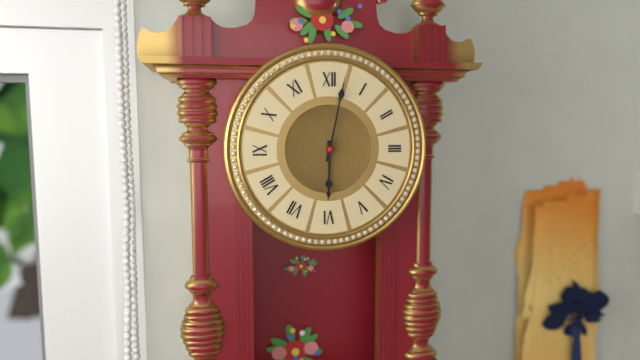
6:02
